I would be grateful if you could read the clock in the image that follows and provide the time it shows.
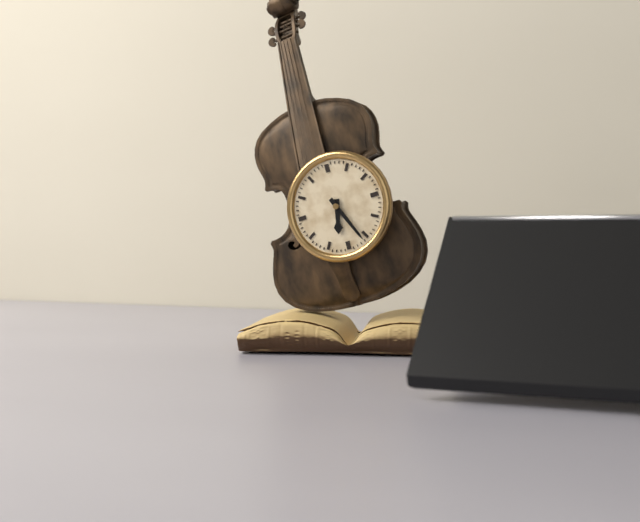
6:26
